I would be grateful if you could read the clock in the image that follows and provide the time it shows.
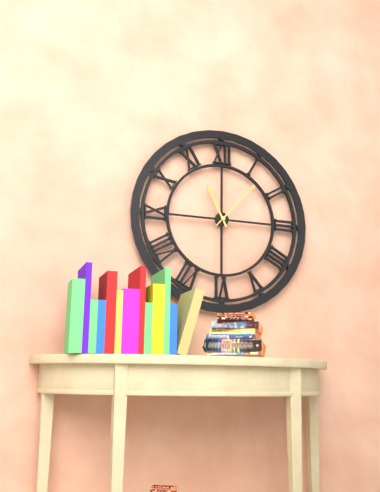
11:07
